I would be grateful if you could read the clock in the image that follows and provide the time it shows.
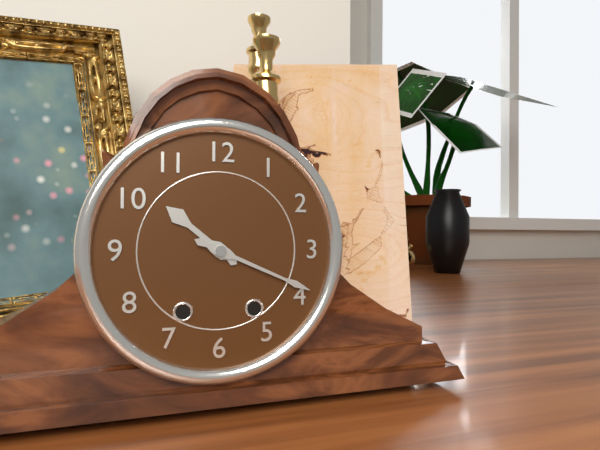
10:19
